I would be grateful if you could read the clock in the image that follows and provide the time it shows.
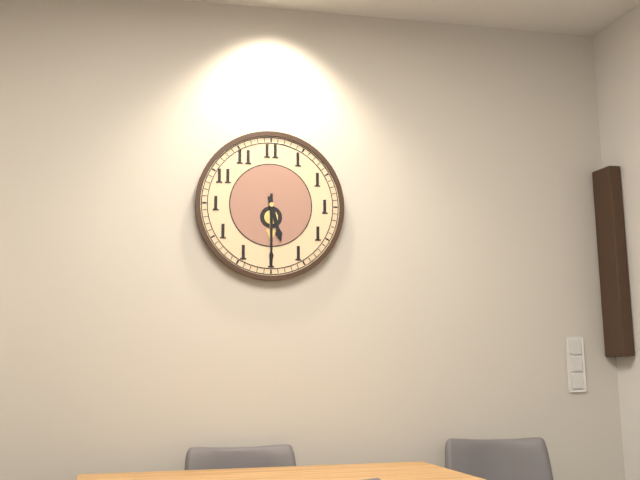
5:30
